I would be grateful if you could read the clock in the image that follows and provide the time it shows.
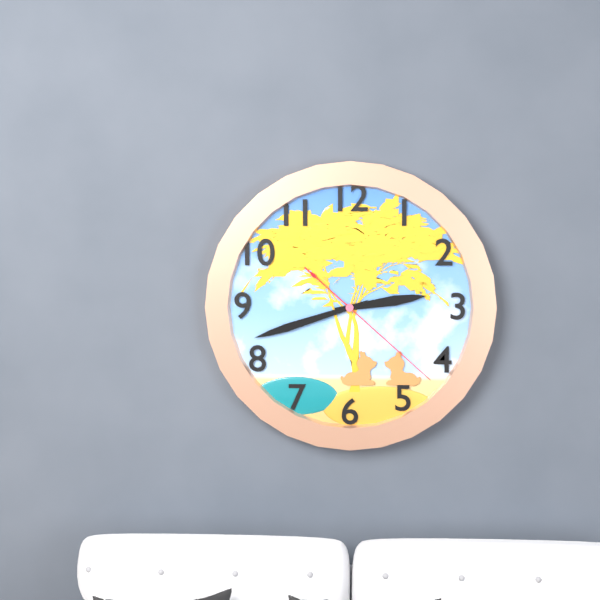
2:42:22
